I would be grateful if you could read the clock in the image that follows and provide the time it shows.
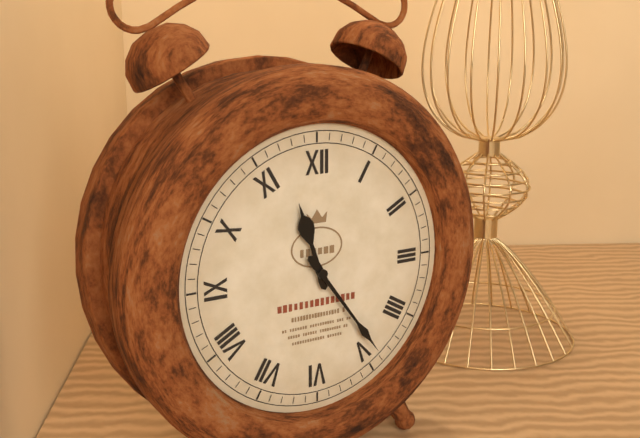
11:24
